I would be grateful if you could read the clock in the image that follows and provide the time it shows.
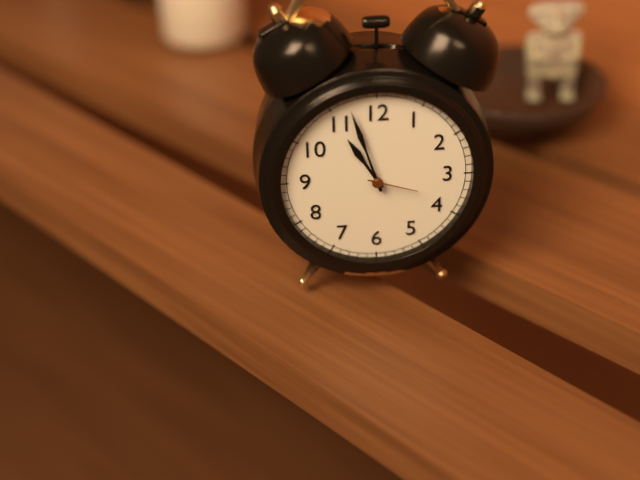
10:57:18
